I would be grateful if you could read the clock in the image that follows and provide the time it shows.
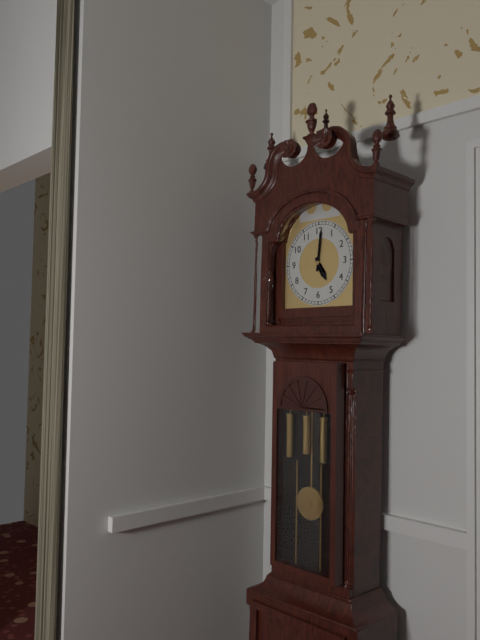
5:01
